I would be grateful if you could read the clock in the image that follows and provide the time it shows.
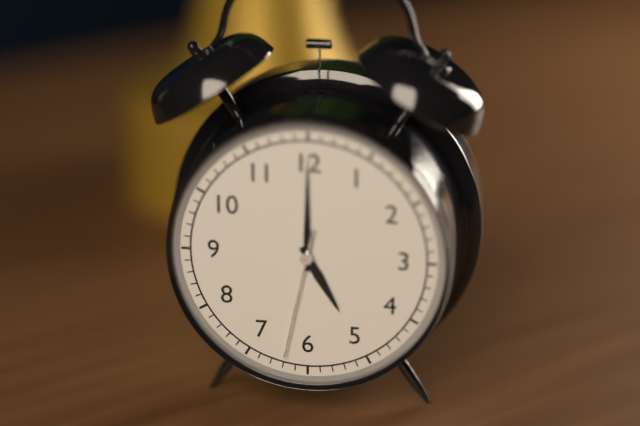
5:00:32
